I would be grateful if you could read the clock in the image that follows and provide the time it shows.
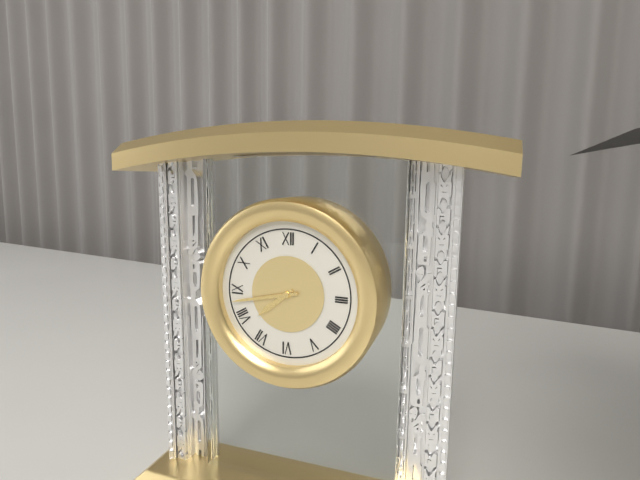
7:43
